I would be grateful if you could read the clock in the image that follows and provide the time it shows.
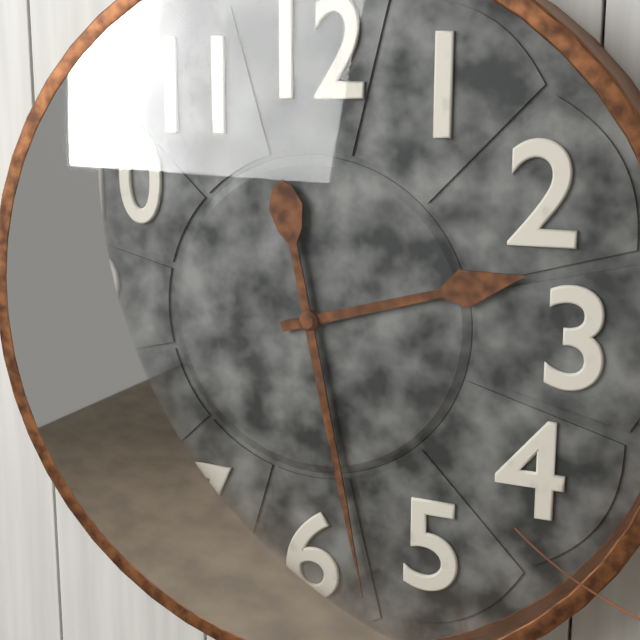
2:28
